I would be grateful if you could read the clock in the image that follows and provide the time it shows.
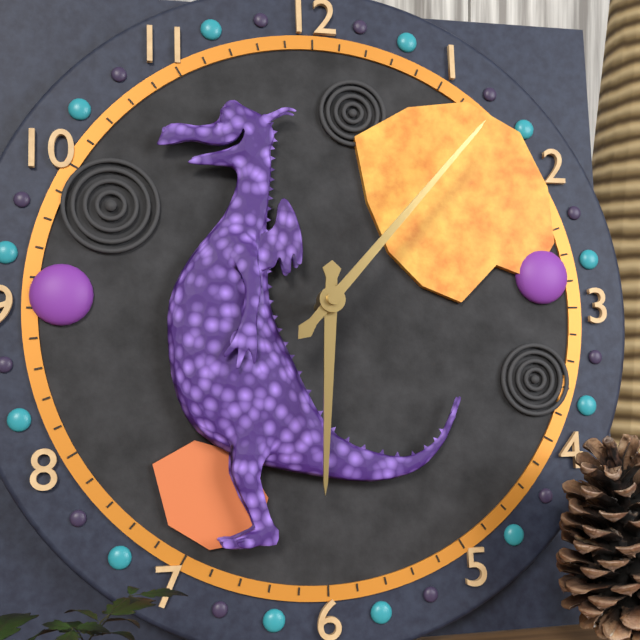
6:07
